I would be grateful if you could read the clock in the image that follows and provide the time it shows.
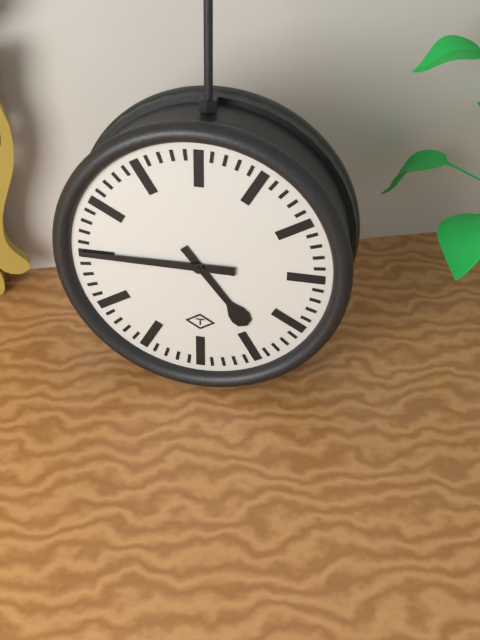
4:45
